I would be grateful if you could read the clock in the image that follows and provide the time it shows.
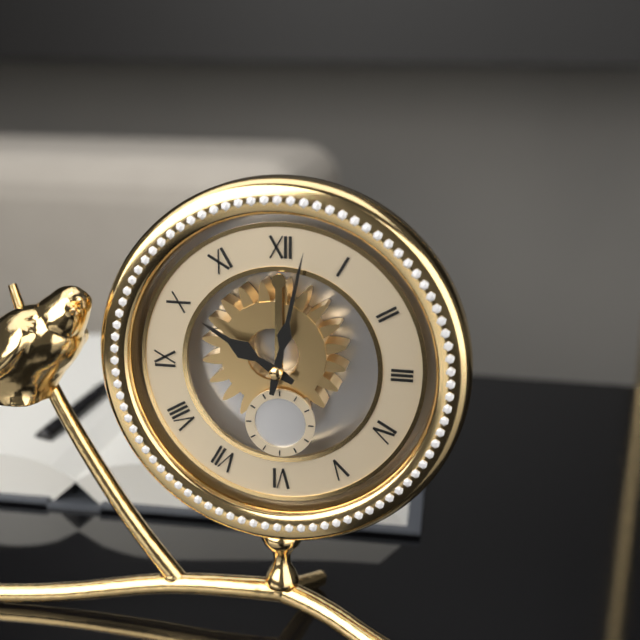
10:02
